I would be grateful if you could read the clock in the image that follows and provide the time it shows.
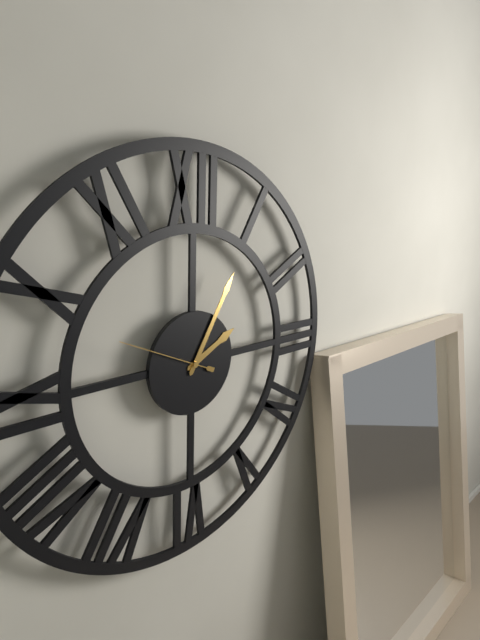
2:05:49
